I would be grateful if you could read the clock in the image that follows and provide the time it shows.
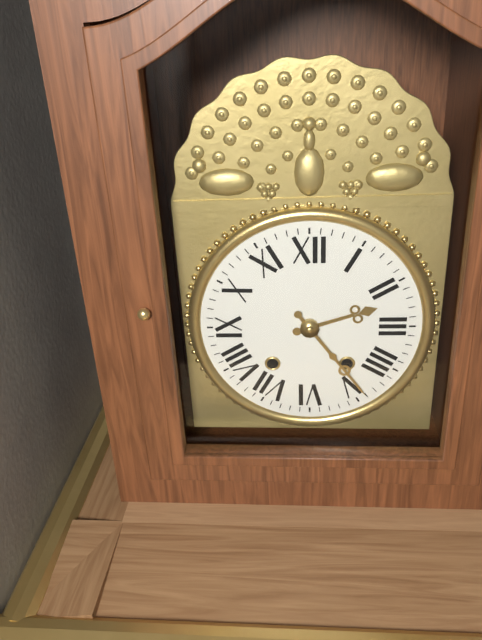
2:24
